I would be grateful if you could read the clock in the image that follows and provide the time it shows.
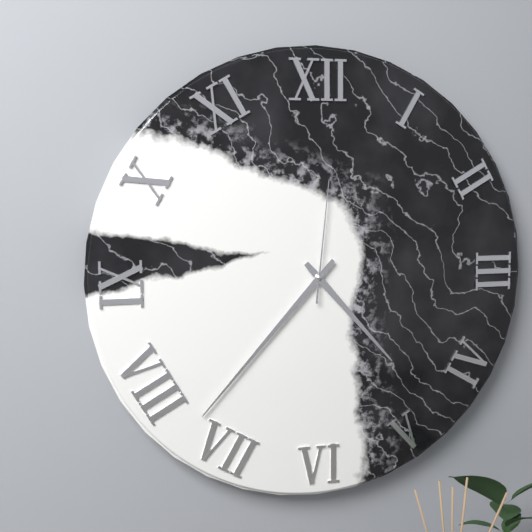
4:37:01
